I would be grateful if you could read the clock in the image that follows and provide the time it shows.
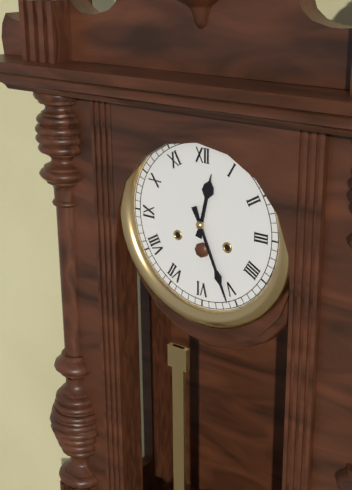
12:26
